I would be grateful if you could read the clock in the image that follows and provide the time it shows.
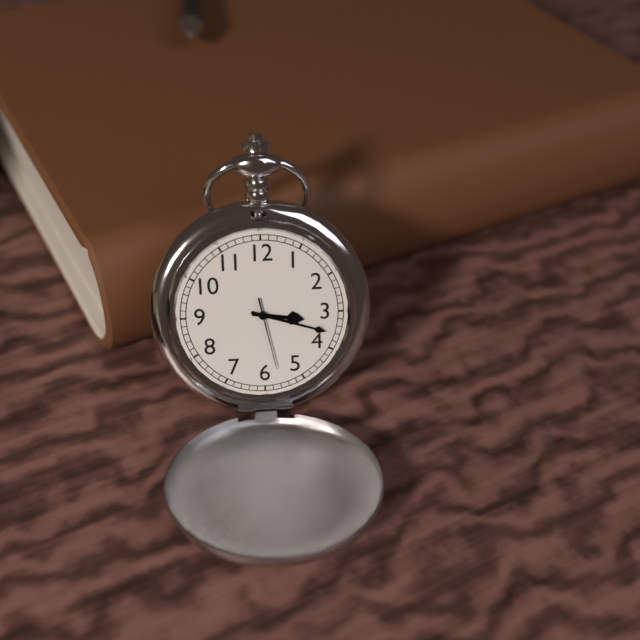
3:18:28
